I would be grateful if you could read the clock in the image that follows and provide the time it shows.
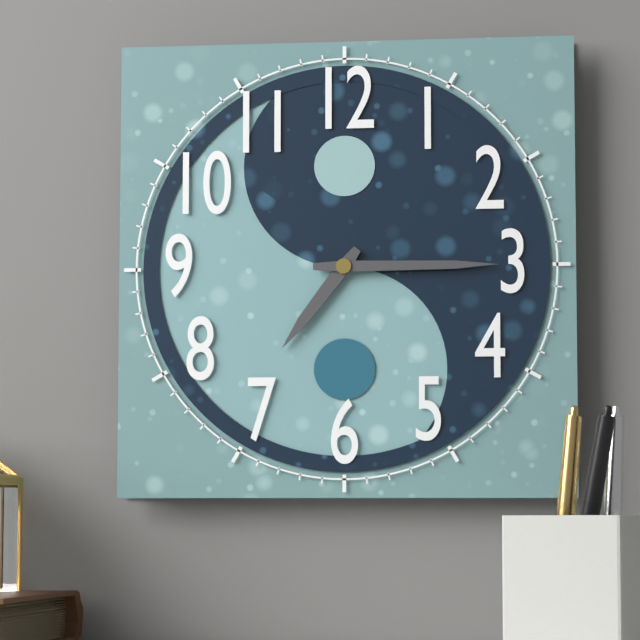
7:15
